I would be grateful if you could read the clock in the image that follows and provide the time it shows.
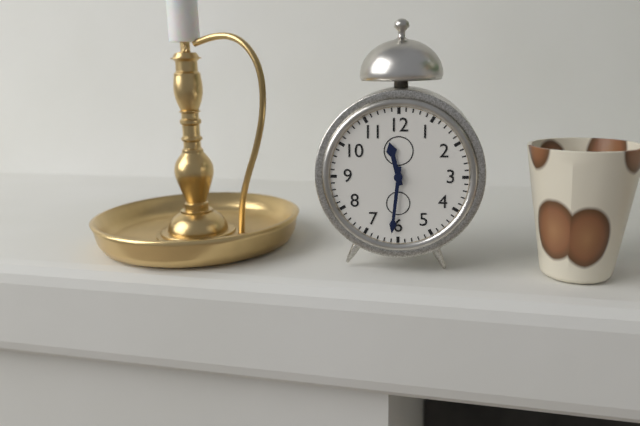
11:31
